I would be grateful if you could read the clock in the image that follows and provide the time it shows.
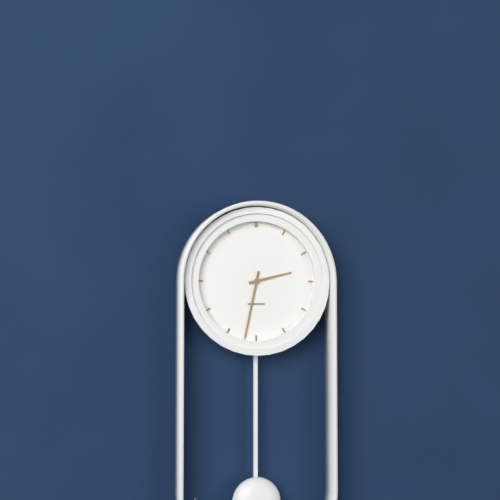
2:32
